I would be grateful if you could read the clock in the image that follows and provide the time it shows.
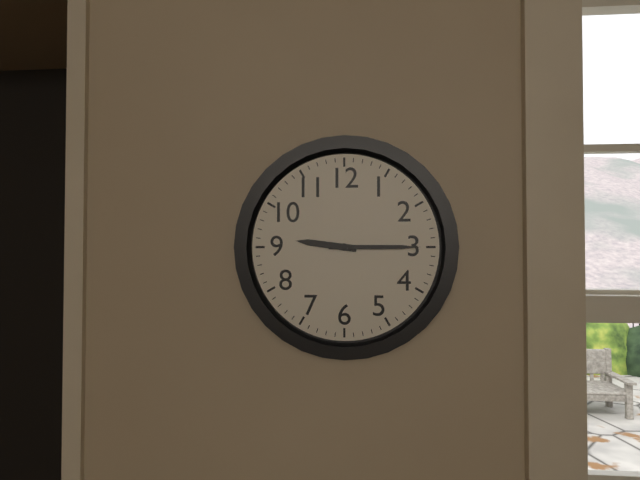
9:15
